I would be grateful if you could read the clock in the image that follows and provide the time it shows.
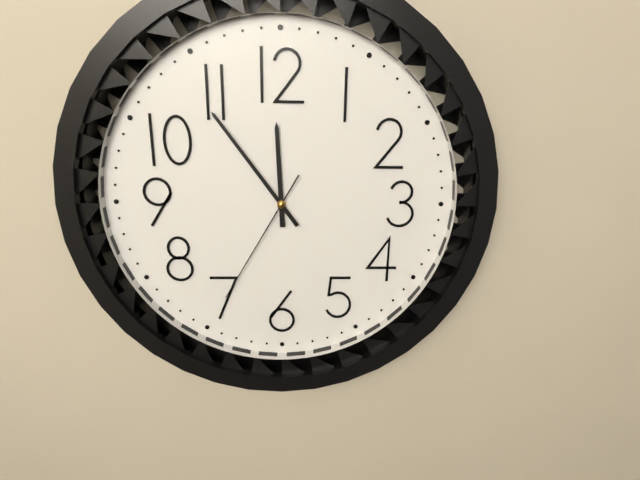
11:54:35
